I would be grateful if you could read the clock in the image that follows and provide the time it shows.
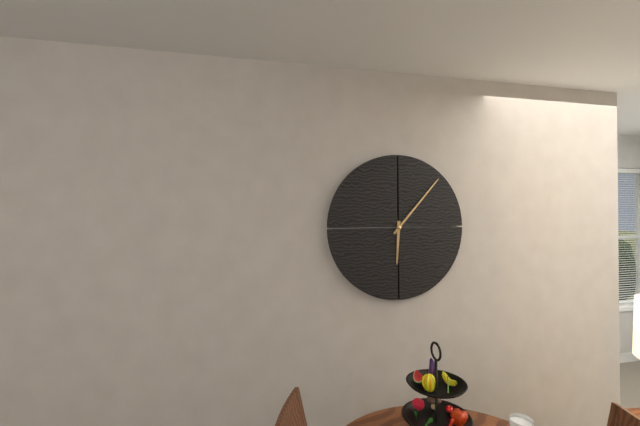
6:07
